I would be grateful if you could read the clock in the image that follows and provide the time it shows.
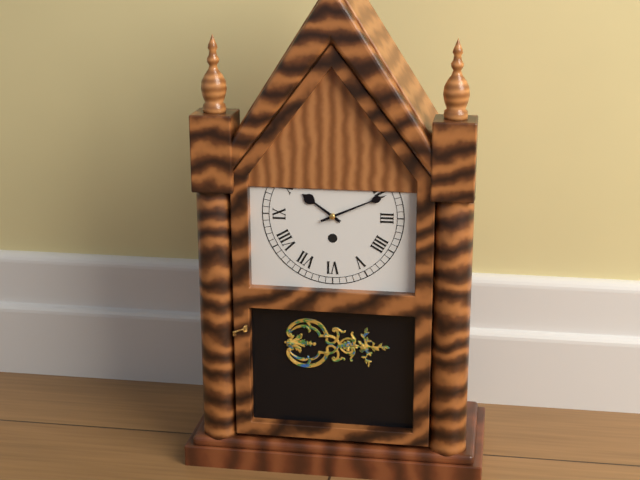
10:11
